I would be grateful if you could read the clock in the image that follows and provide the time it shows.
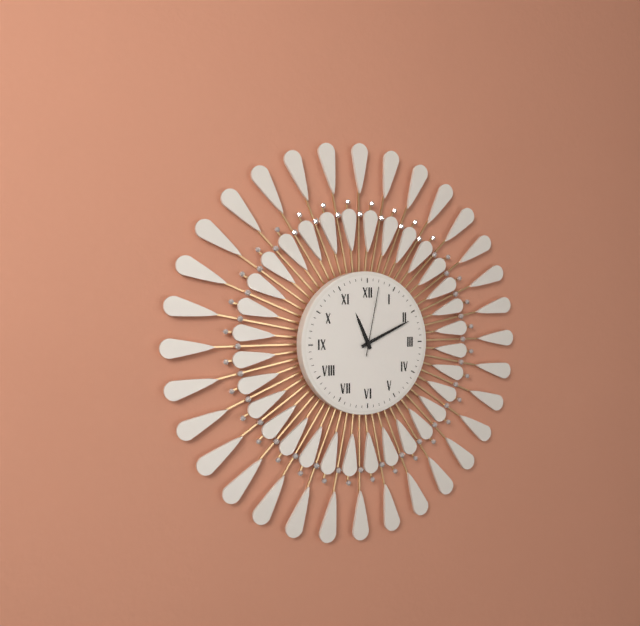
11:11:02
